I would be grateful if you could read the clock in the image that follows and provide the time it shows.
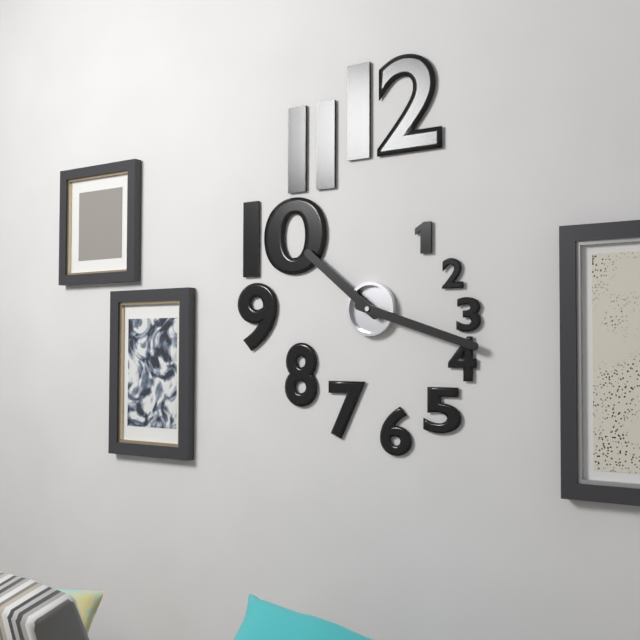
10:18
